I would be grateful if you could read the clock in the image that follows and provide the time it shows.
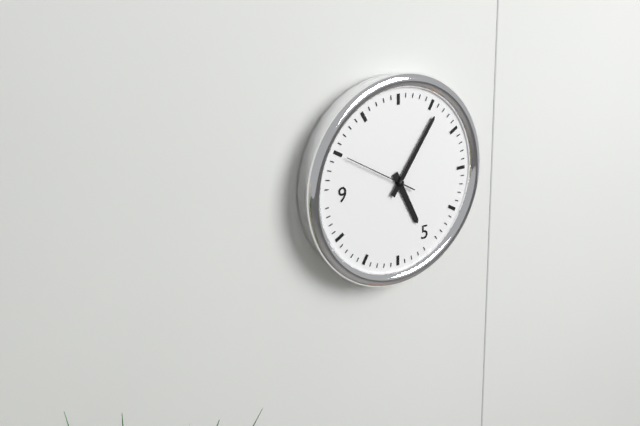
5:06:50
